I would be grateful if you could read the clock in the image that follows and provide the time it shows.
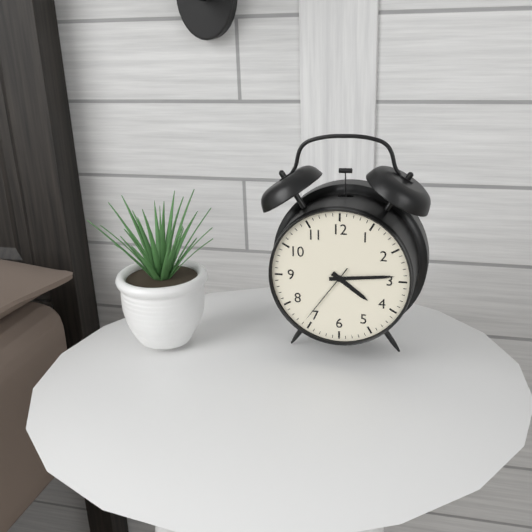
4:14:36
